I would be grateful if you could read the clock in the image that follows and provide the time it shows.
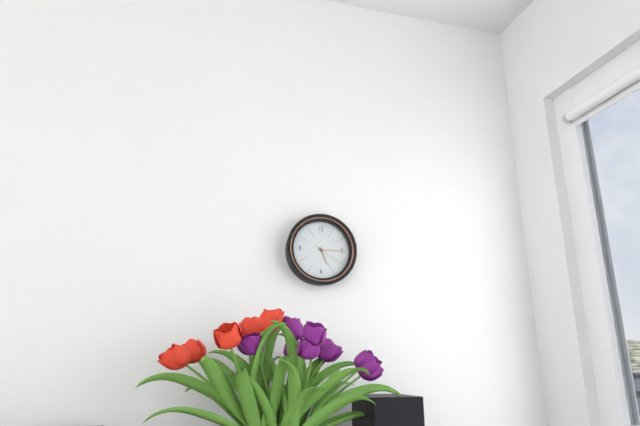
5:15
